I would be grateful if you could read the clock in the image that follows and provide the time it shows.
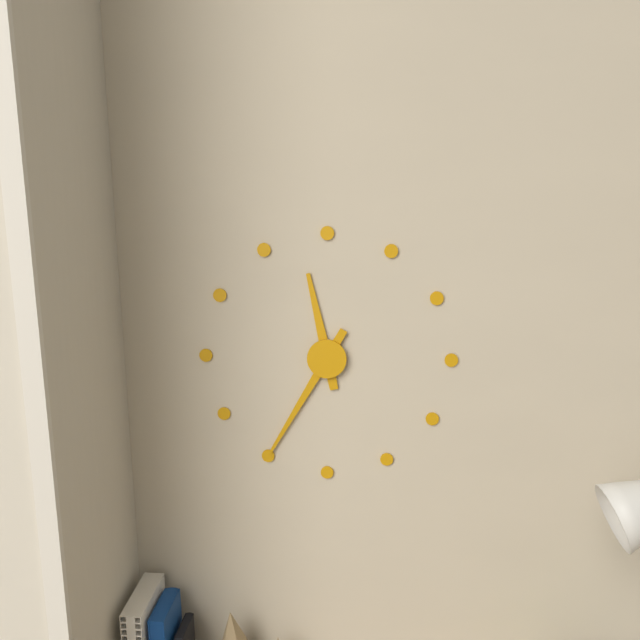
11:35
